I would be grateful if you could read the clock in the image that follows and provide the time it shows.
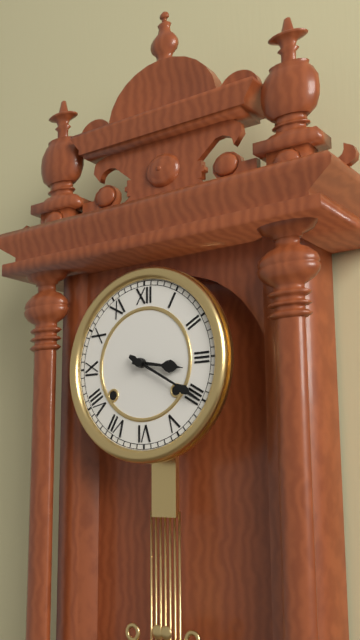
3:20
